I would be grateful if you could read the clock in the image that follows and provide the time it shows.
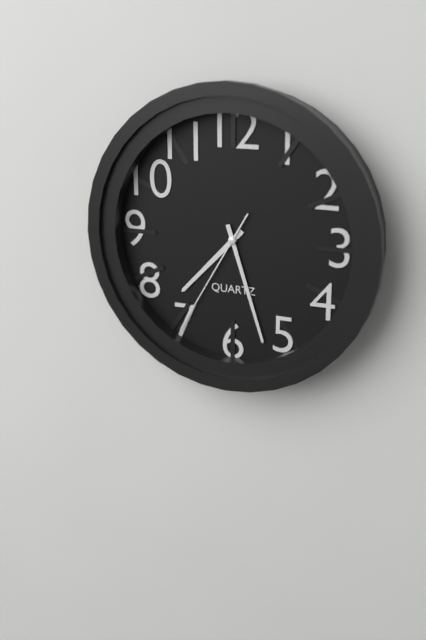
7:27:35
